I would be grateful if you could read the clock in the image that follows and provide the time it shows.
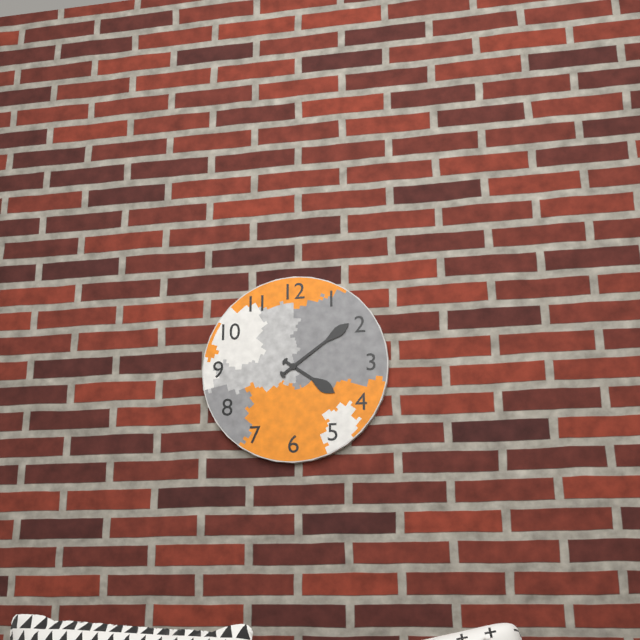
4:09
